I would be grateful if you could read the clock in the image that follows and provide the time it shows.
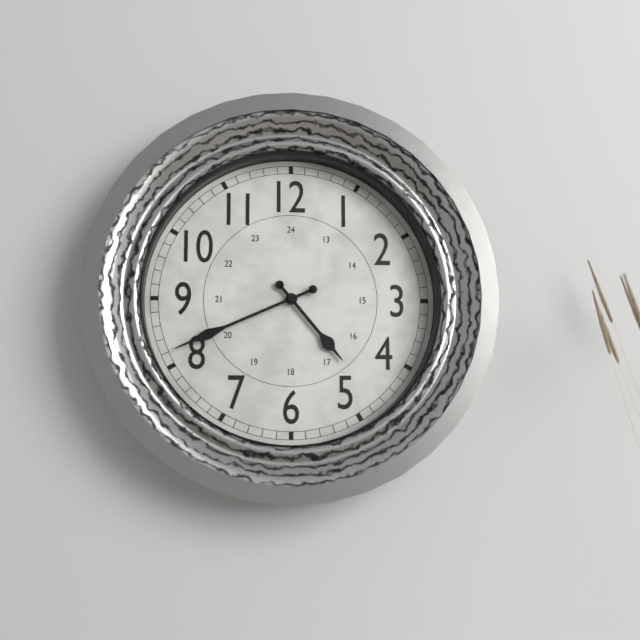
4:41
